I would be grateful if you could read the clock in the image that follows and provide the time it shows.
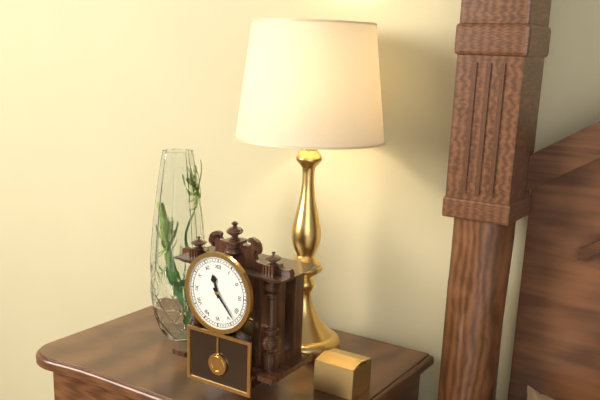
11:23
